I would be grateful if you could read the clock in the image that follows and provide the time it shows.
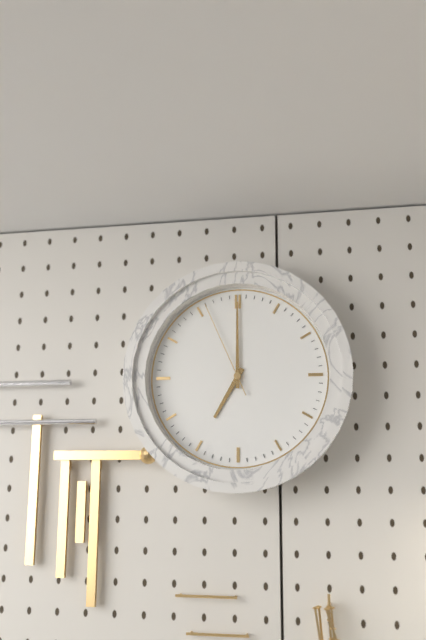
7:00:56
